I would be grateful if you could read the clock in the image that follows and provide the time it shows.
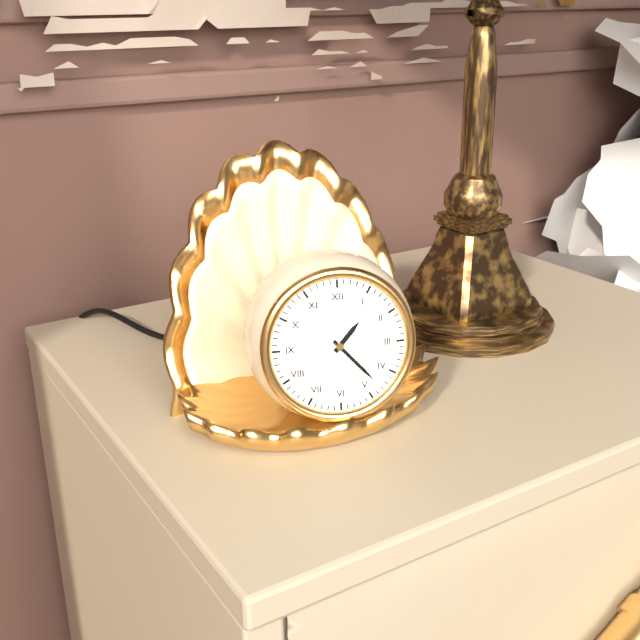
1:23
